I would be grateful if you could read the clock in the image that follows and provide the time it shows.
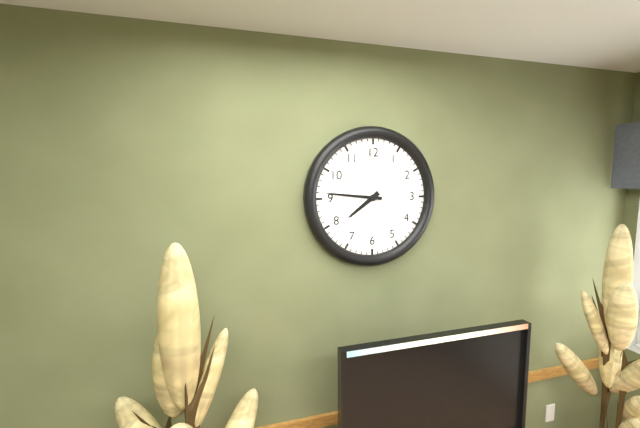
7:46
